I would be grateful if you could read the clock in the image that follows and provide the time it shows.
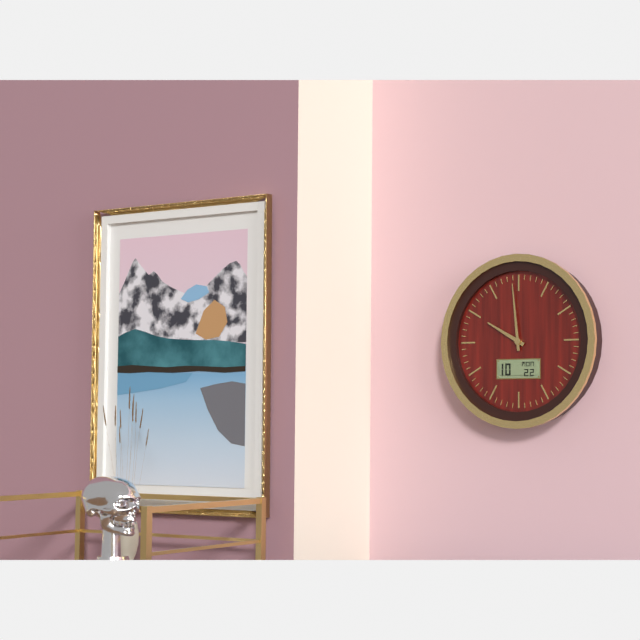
9:59
